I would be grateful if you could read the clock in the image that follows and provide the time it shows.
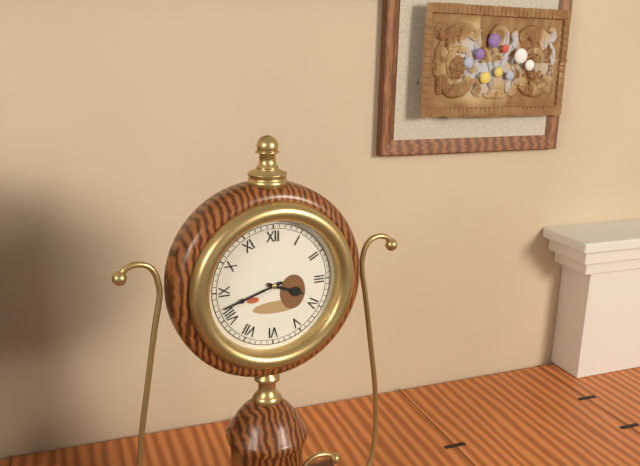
3:42
